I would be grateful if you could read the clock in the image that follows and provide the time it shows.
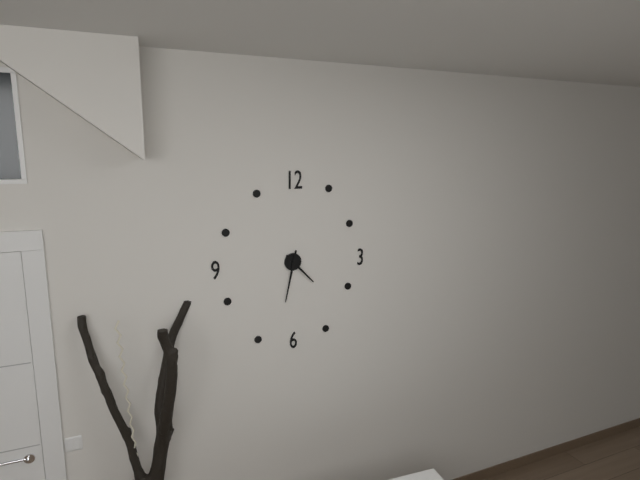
4:32
